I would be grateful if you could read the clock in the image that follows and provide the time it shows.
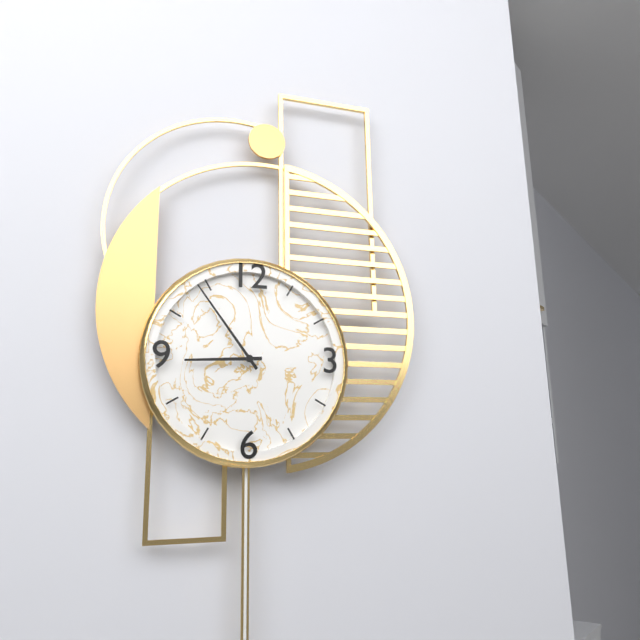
8:54
